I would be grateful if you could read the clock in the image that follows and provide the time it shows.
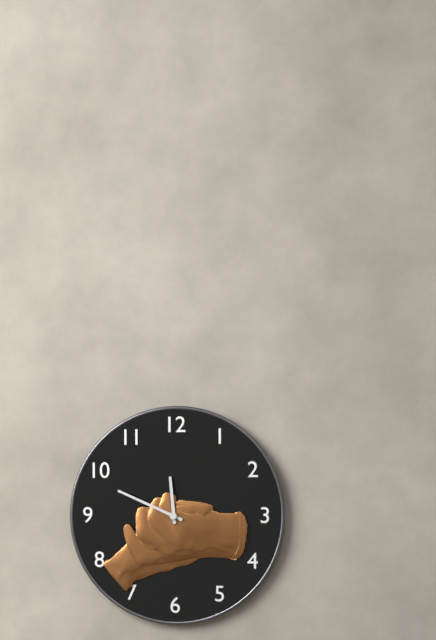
11:49
